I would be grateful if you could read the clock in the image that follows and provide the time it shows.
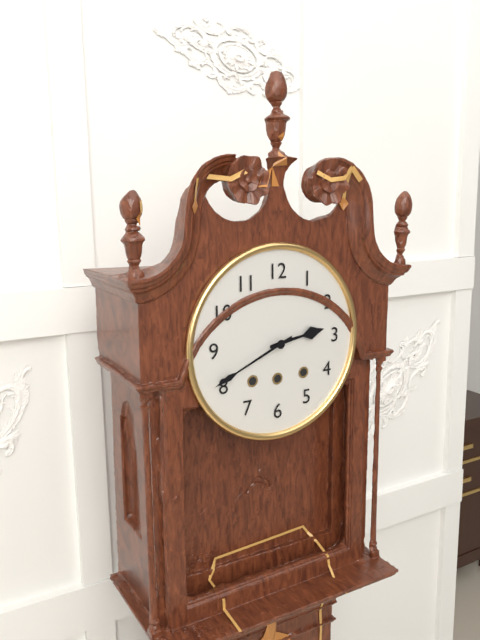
2:41
